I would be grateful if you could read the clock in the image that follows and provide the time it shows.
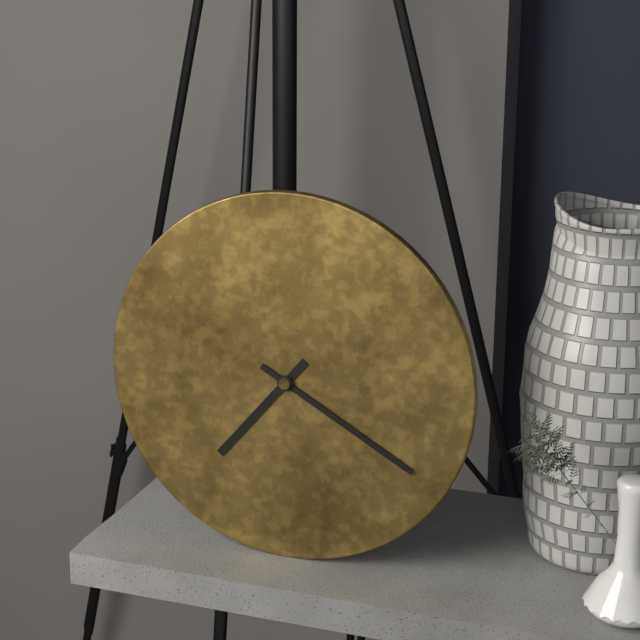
7:20
